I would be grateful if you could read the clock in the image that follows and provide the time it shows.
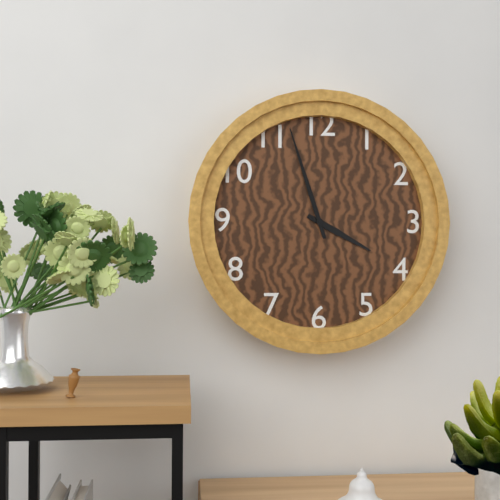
3:57
